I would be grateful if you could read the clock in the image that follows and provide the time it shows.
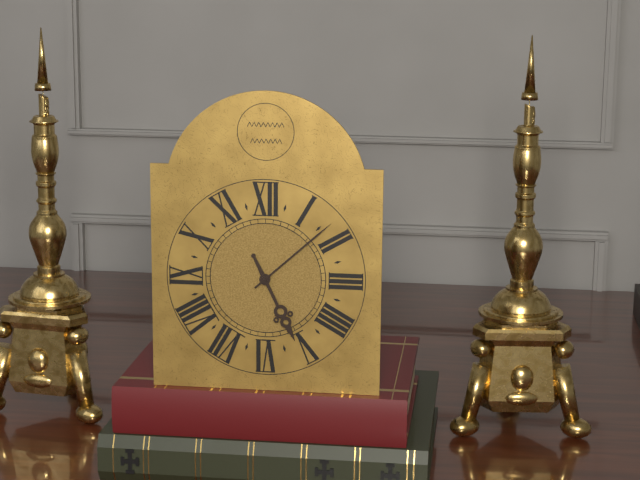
5:08
